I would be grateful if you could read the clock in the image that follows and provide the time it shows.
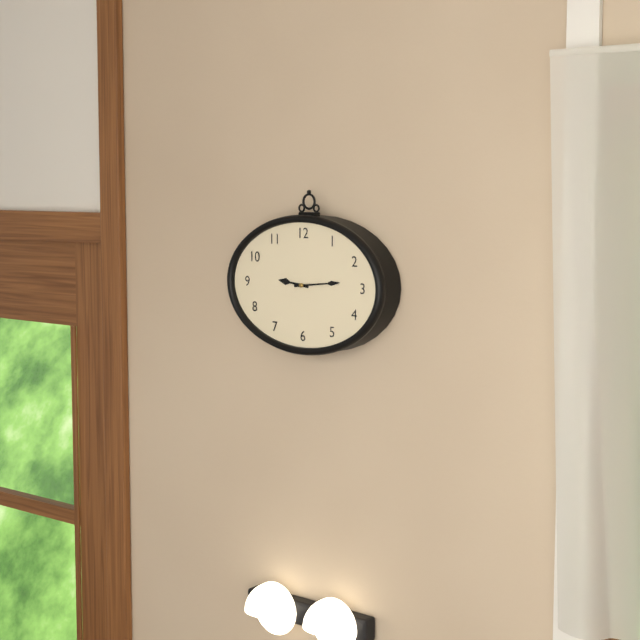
9:14
